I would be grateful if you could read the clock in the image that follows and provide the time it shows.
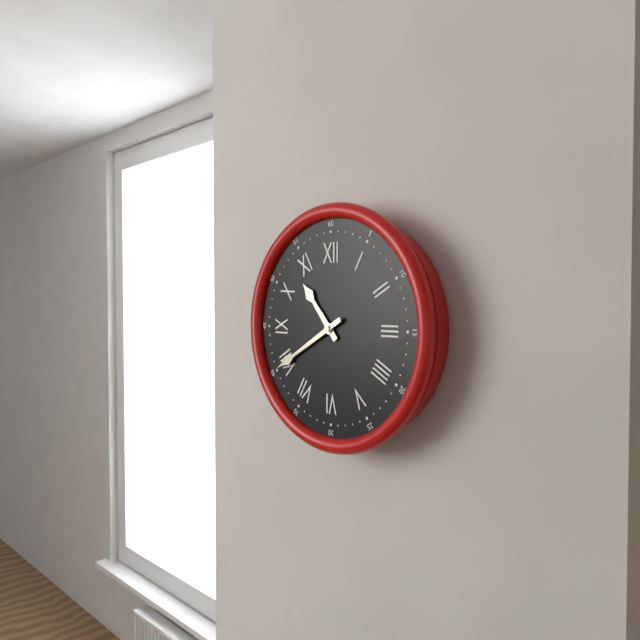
10:40
